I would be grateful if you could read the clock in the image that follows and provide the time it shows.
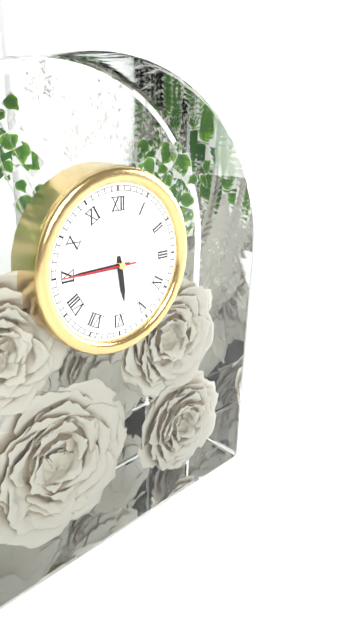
5:45:45
